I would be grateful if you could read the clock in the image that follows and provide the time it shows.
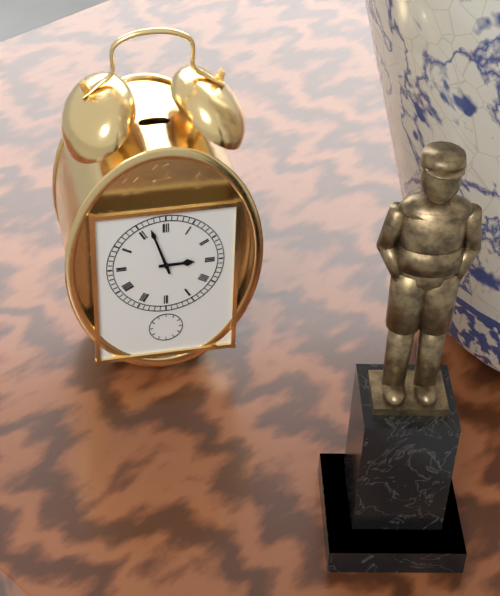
2:57
